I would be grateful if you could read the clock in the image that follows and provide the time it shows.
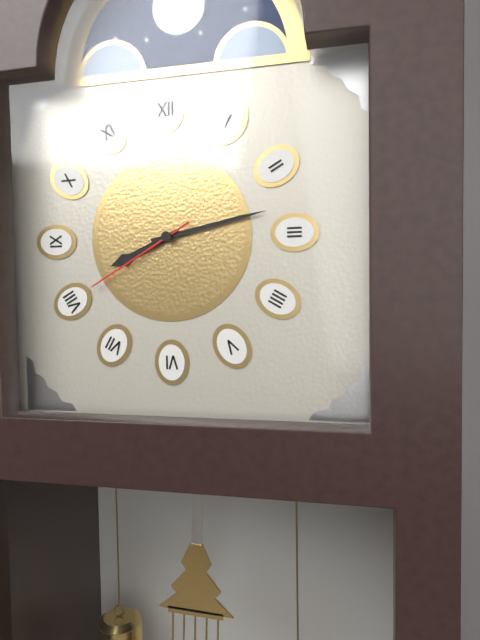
8:13:40
